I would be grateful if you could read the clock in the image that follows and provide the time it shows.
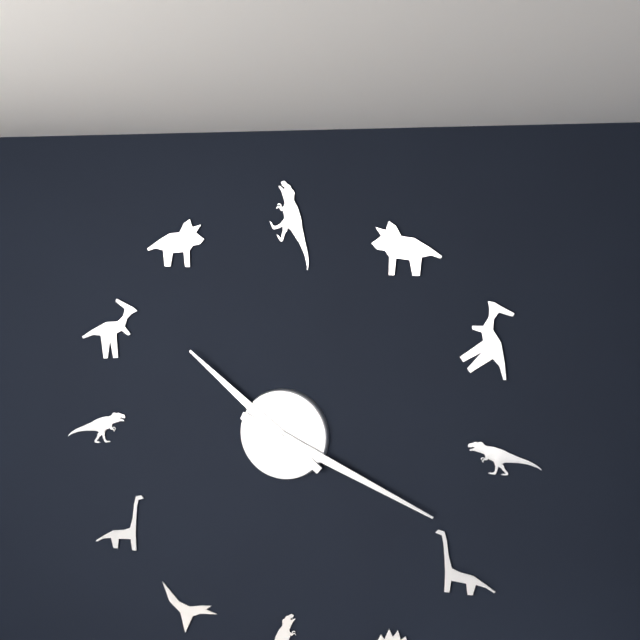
10:19
